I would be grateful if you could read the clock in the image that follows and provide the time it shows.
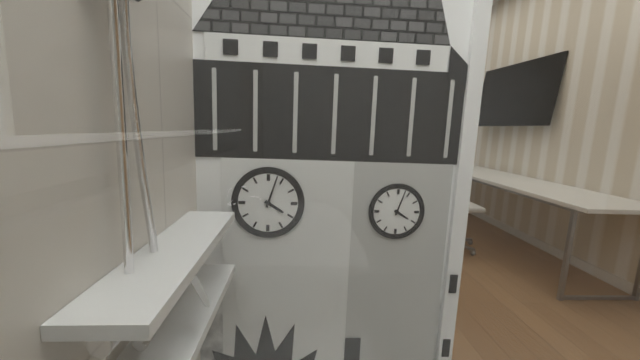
4:03
